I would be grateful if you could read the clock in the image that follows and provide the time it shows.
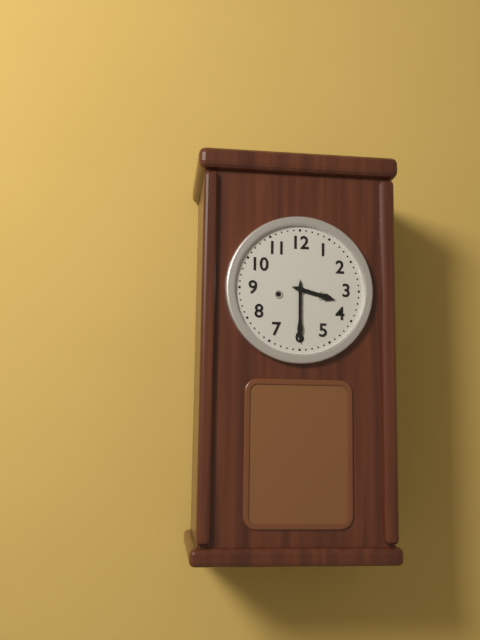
3:30
